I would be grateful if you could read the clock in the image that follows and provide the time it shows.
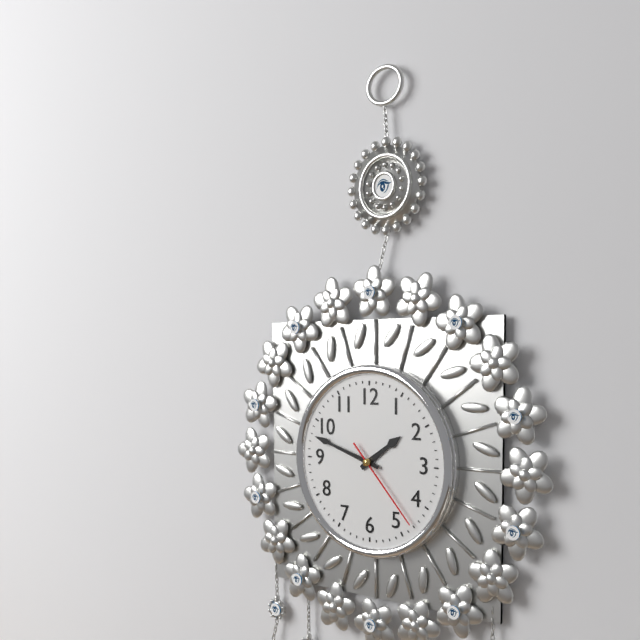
1:48:23
